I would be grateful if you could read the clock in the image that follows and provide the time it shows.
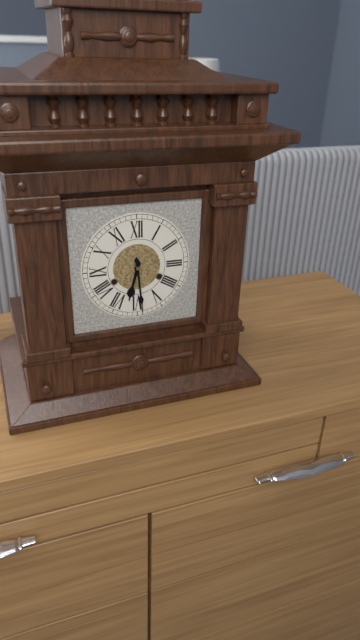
6:29
